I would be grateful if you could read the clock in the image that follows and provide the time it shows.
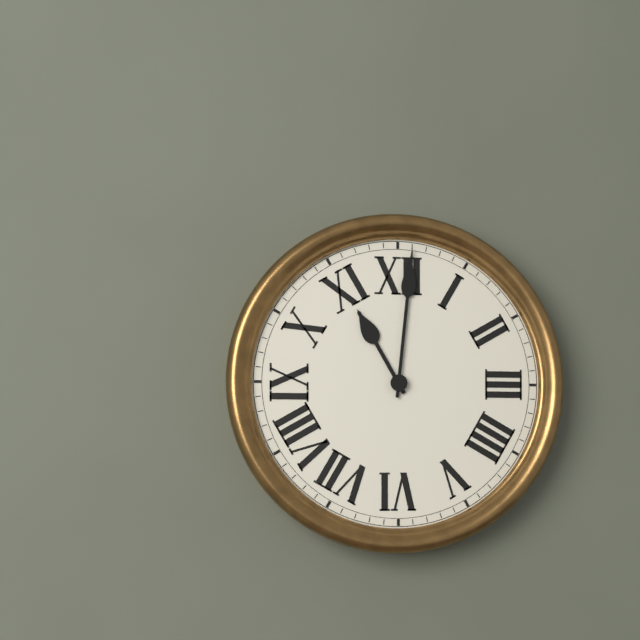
11:01
